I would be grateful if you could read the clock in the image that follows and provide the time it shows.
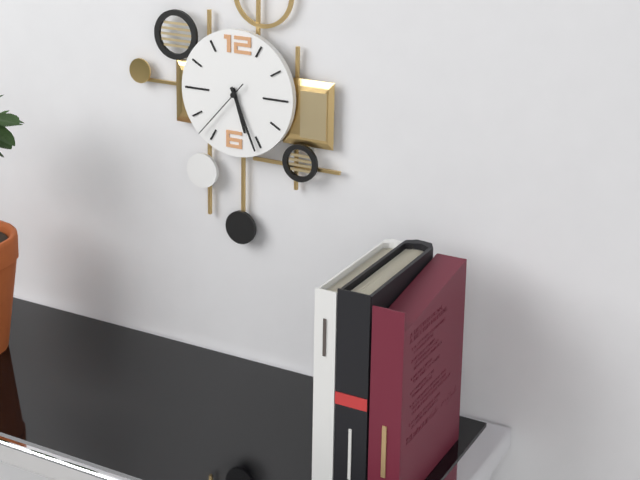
5:26:37
